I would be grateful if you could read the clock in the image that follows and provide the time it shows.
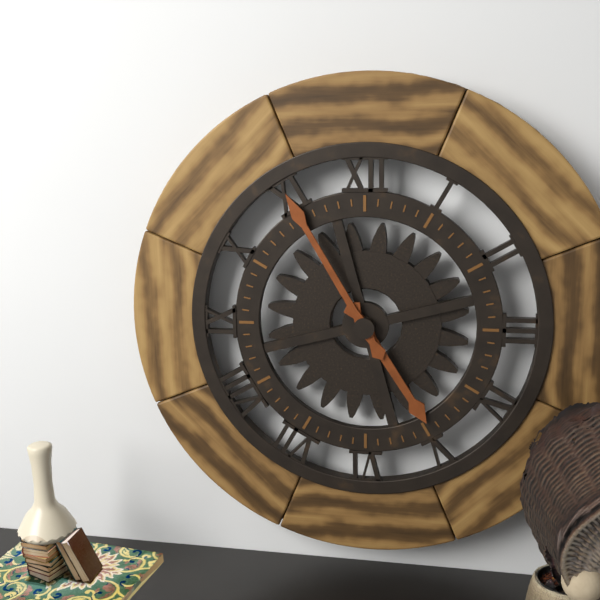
4:55
